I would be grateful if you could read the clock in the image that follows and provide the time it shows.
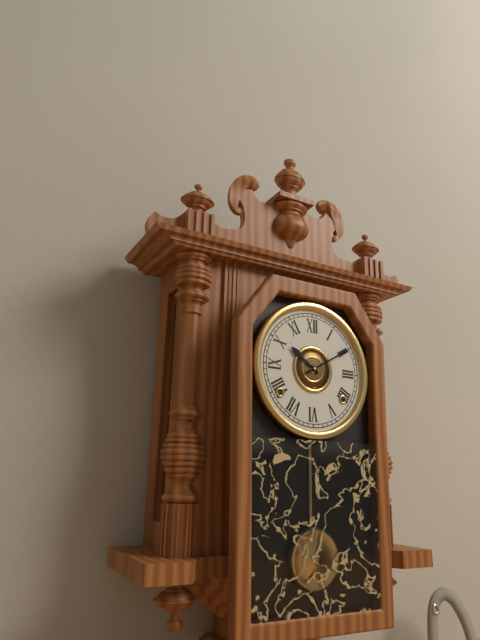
10:10
